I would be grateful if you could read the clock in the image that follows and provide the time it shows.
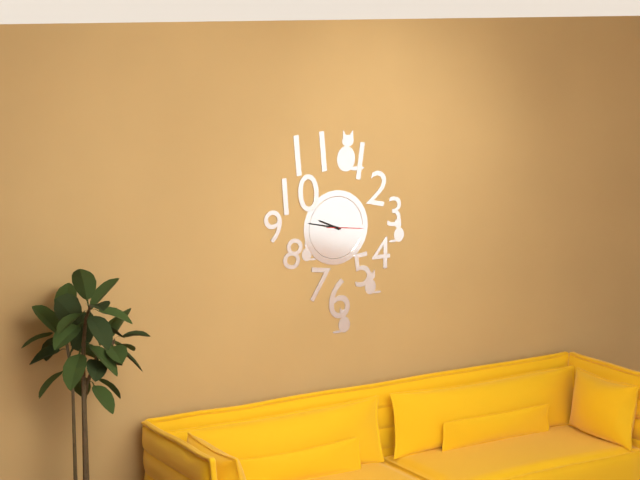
9:47
